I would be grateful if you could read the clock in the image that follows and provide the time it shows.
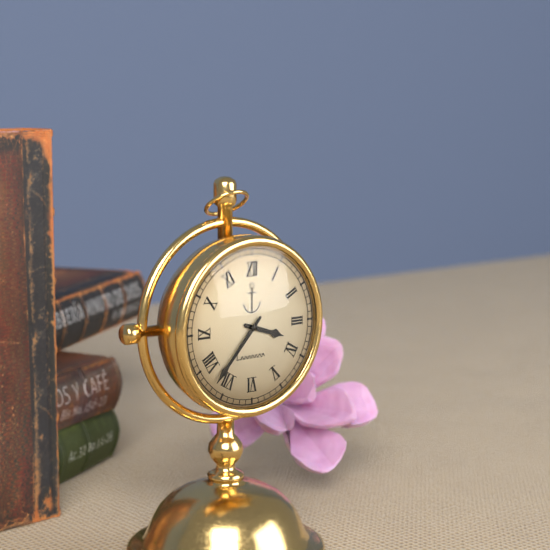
3:37
